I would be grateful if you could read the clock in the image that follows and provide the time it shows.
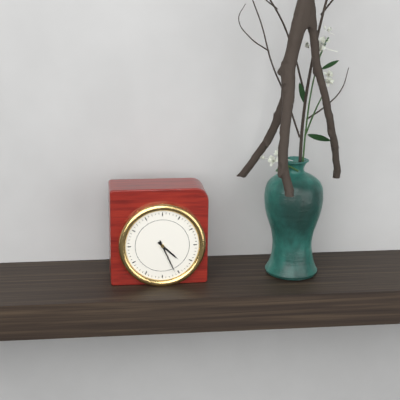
4:26
